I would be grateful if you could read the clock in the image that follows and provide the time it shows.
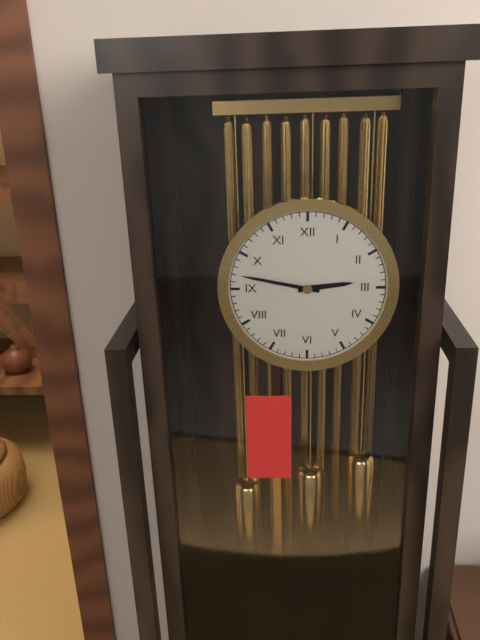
2:47
